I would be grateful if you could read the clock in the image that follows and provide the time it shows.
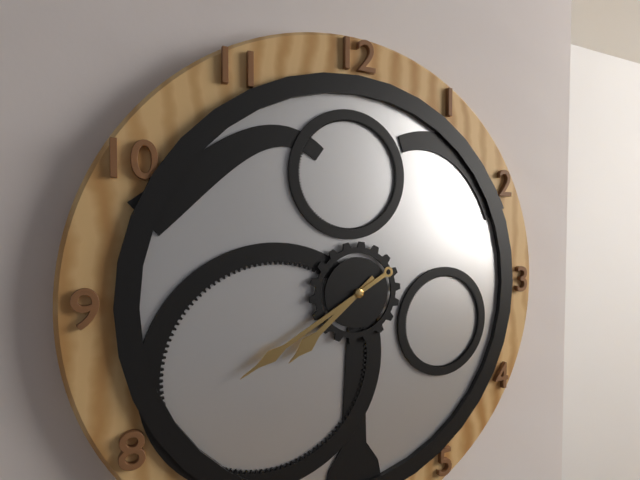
7:40
